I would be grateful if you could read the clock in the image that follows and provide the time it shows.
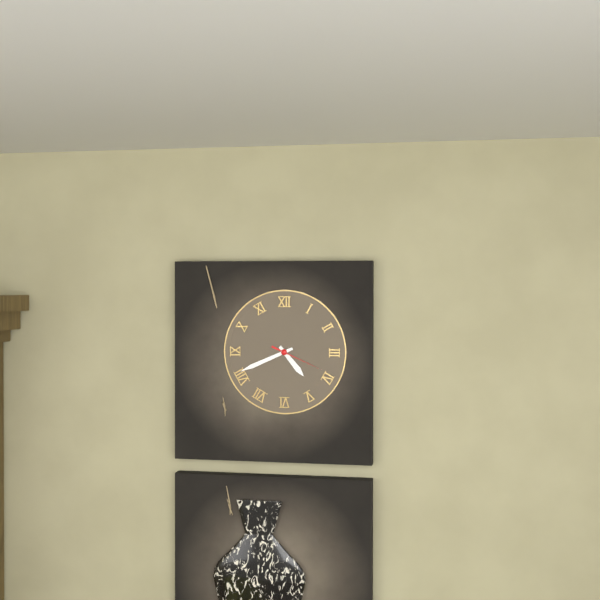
4:41:19
